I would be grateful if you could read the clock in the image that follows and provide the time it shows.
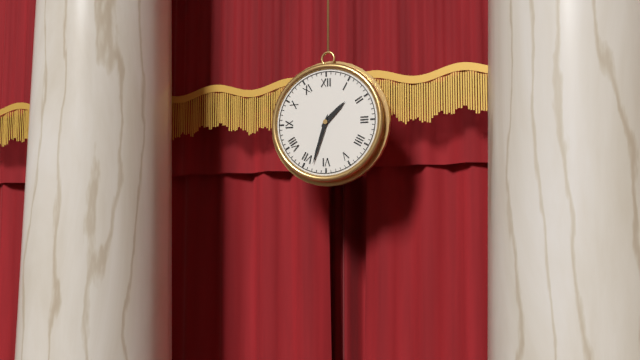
1:33
